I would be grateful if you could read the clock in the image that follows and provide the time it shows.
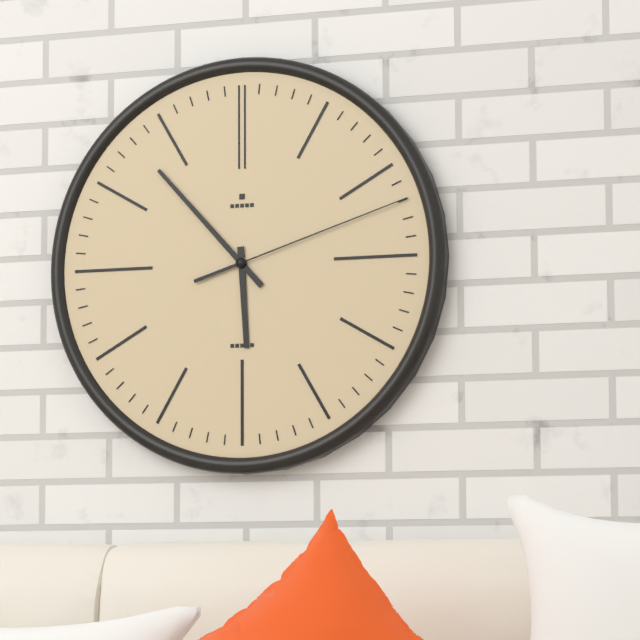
5:53:12
